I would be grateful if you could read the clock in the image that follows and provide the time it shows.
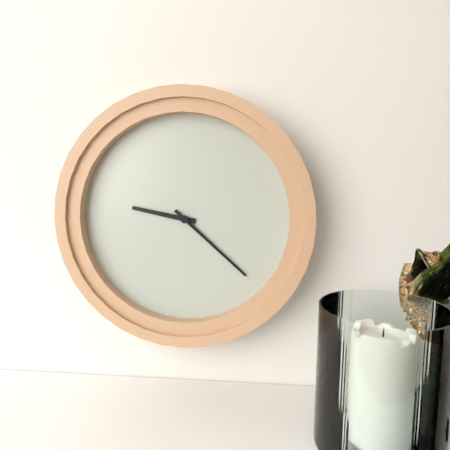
9:22
